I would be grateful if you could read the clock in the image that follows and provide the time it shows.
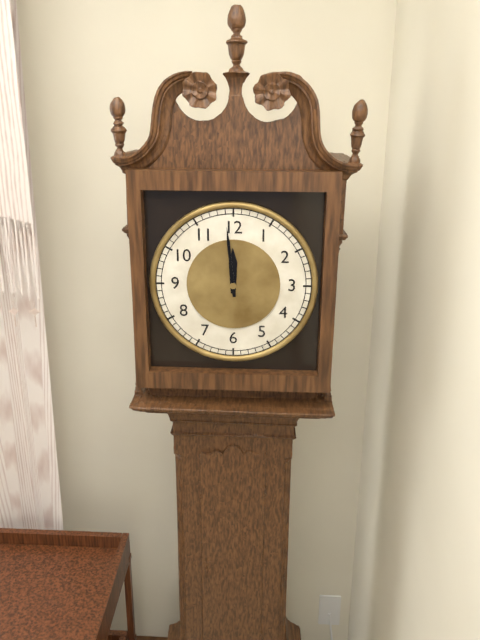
11:59
